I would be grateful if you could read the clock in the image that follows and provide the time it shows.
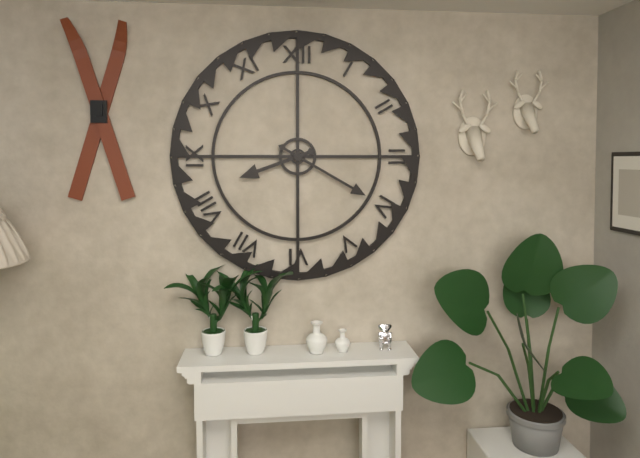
8:20
